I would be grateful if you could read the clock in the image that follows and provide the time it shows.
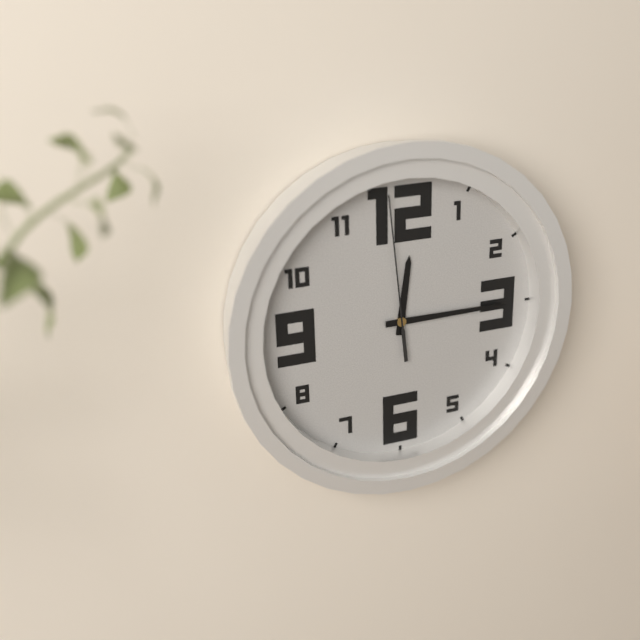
12:15:59
